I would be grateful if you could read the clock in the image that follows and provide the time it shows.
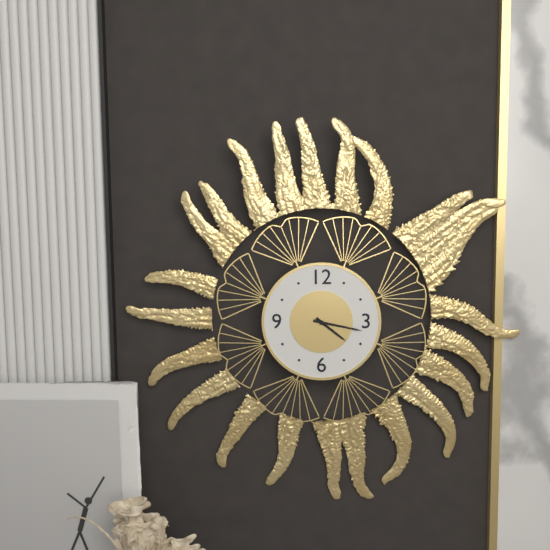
4:17
